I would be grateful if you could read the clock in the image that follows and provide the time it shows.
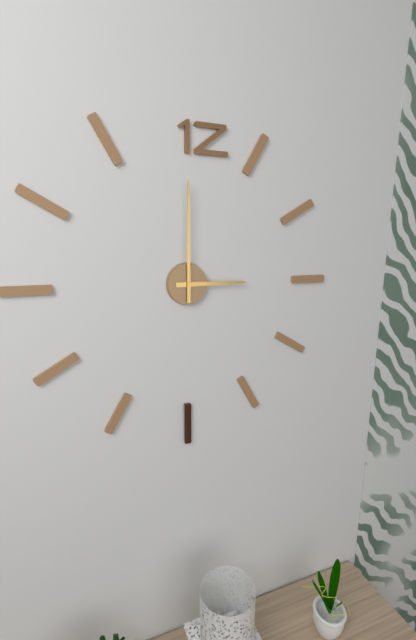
3:00
